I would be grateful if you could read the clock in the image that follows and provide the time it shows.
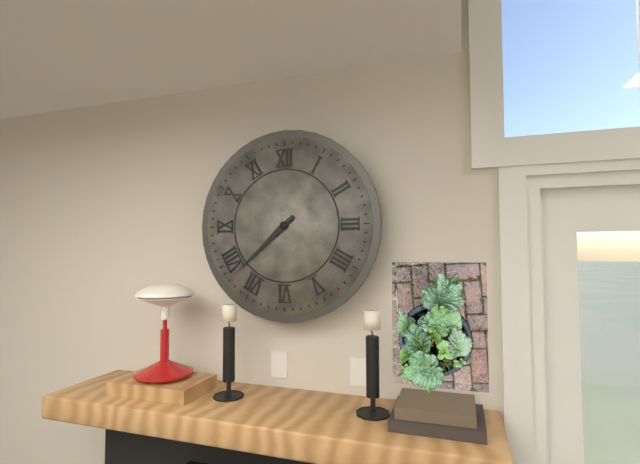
7:38
